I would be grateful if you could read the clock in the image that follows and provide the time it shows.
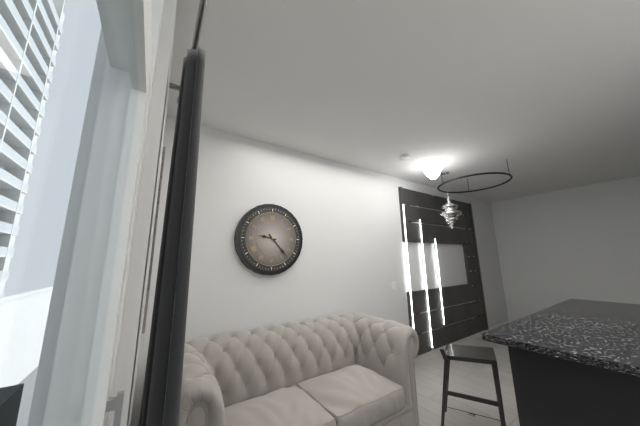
9:23
